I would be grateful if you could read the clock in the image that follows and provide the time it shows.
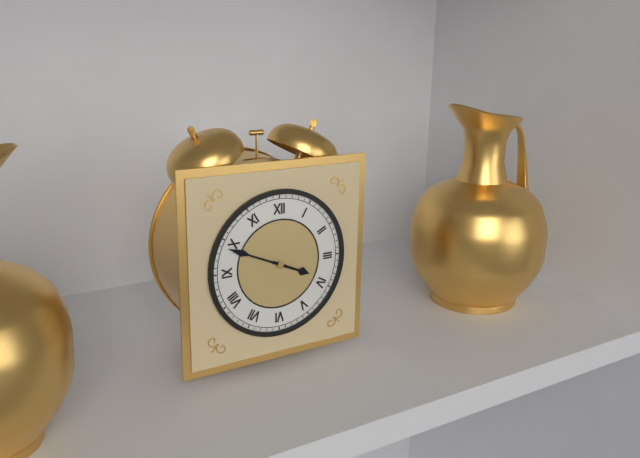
3:49
